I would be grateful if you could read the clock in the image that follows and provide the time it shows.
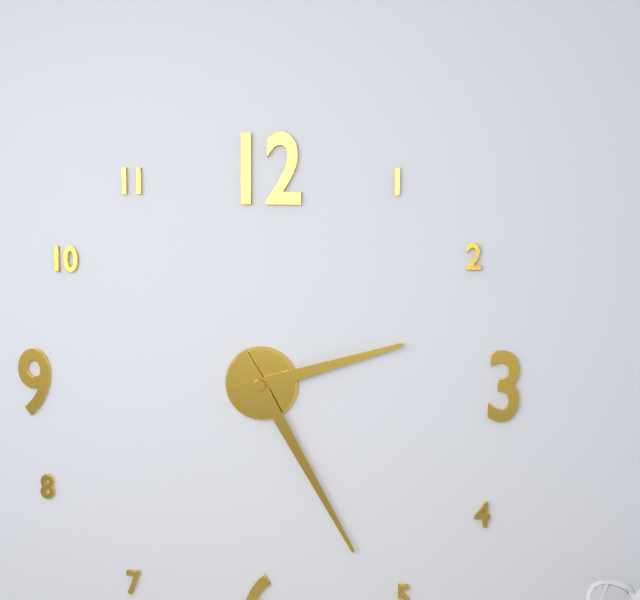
2:25
